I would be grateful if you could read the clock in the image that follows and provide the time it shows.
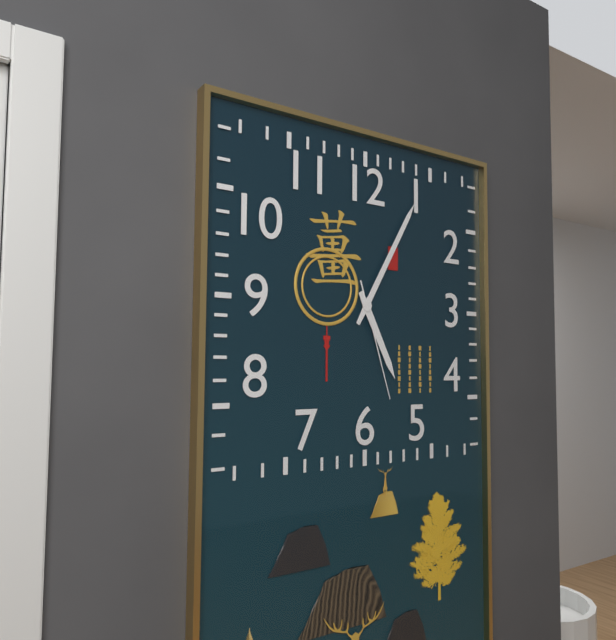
5:05:27
